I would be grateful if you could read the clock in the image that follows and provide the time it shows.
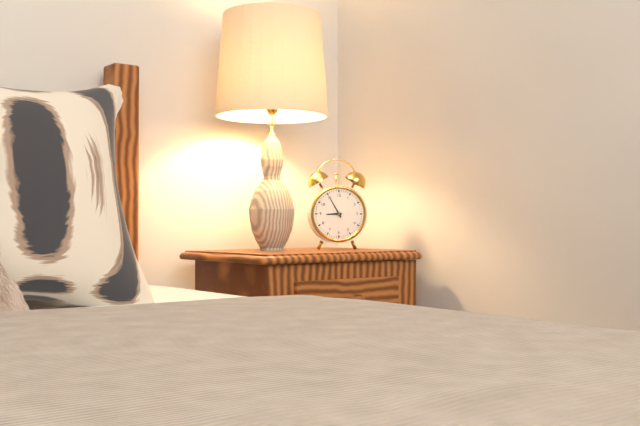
8:55
